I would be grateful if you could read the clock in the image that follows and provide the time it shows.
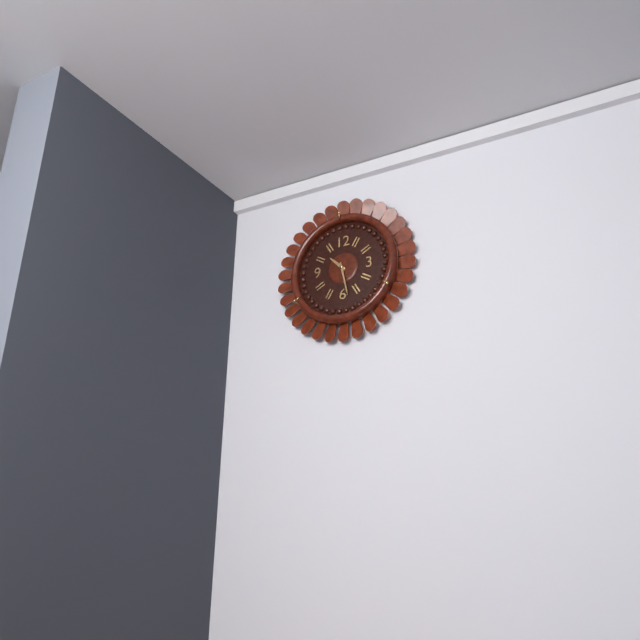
10:28
